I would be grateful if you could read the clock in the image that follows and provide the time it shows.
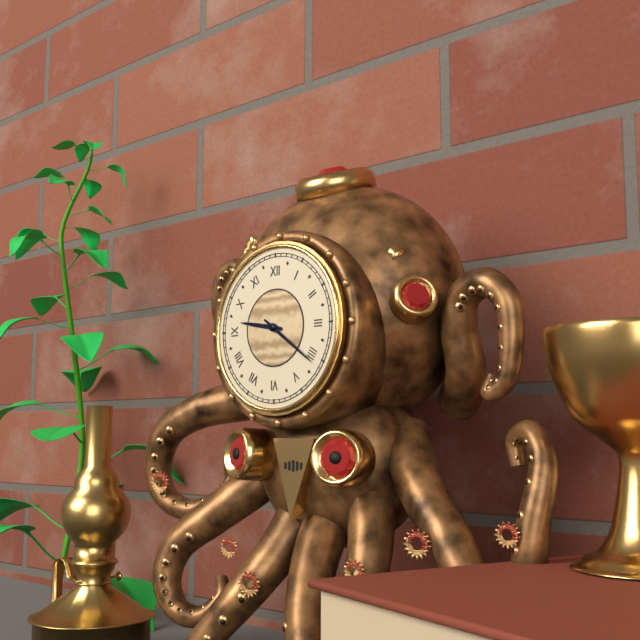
9:21
